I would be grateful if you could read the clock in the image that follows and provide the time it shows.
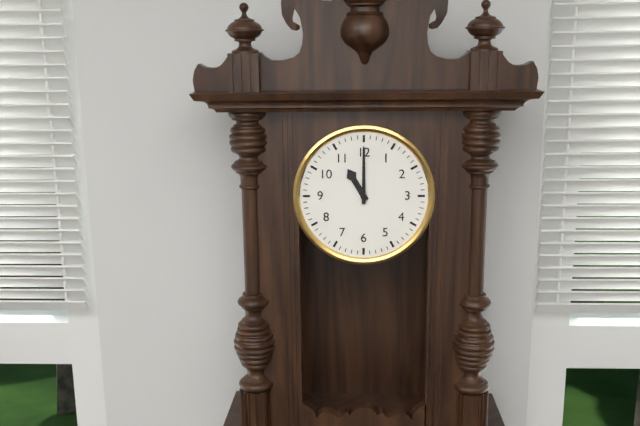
11:00
